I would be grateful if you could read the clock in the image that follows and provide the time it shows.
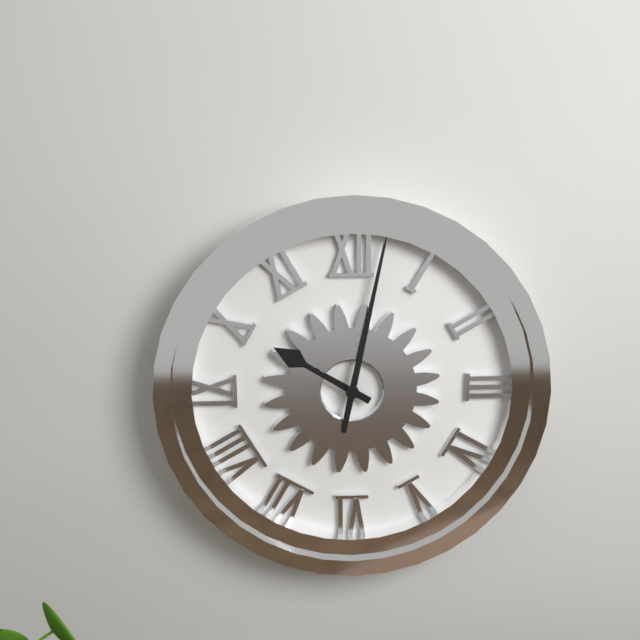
10:02
